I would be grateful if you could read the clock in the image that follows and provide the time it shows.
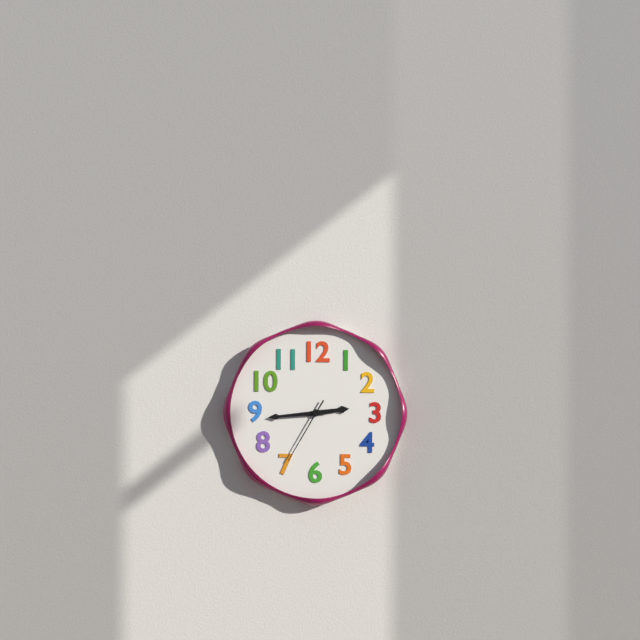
2:44:35
